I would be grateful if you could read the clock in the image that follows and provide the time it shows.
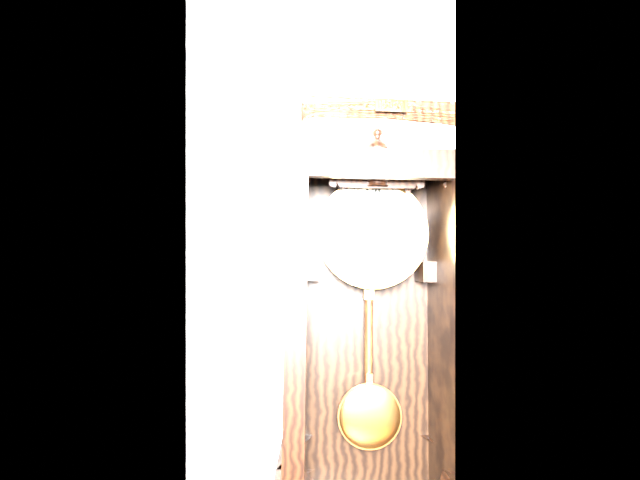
4:08
